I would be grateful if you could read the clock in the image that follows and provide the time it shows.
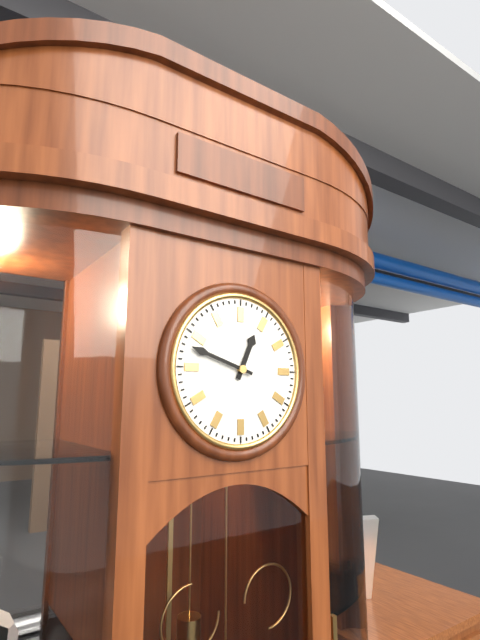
12:48
